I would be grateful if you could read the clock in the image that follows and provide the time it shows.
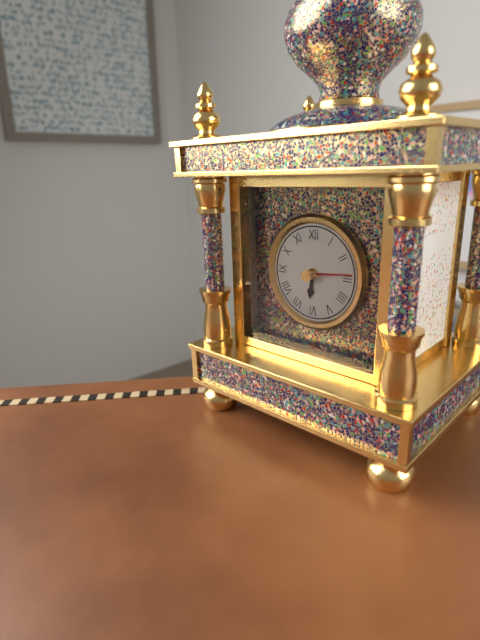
6:14
